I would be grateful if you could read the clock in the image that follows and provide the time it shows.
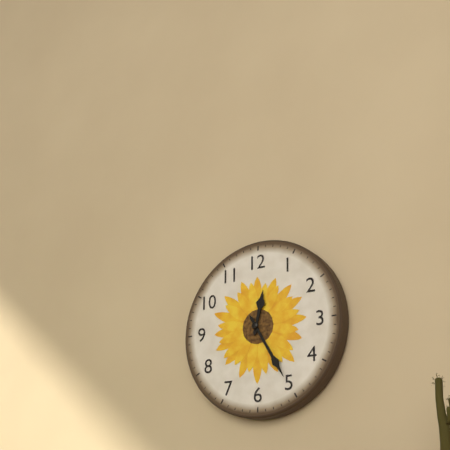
12:25
